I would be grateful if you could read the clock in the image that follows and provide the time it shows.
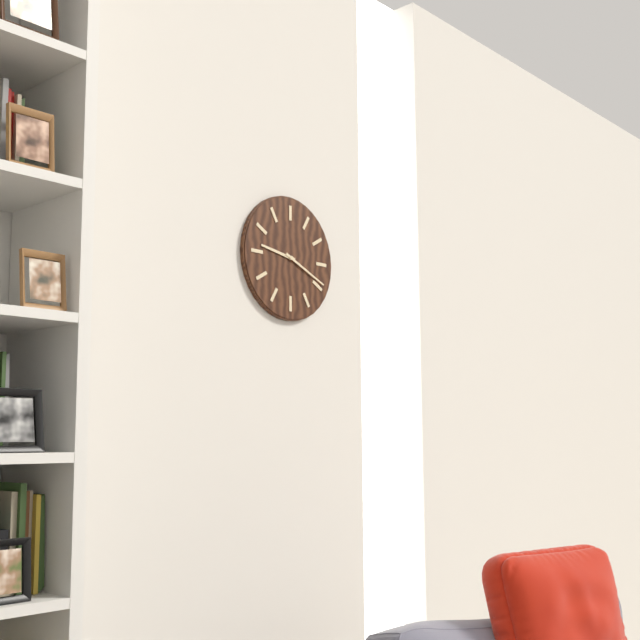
9:19
